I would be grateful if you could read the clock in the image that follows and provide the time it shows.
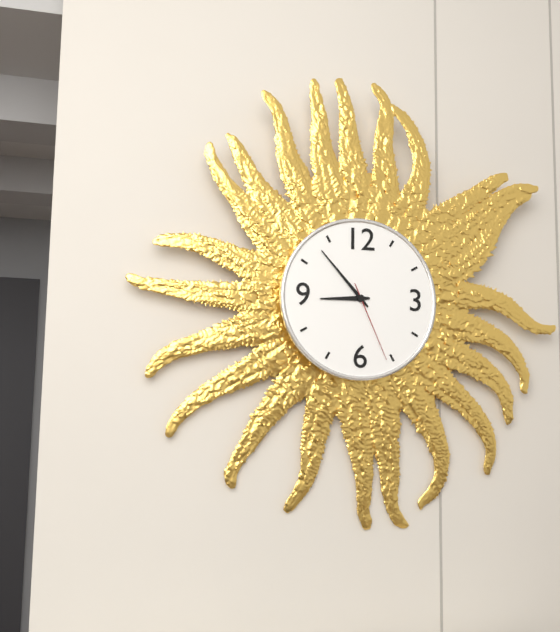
8:53:26
